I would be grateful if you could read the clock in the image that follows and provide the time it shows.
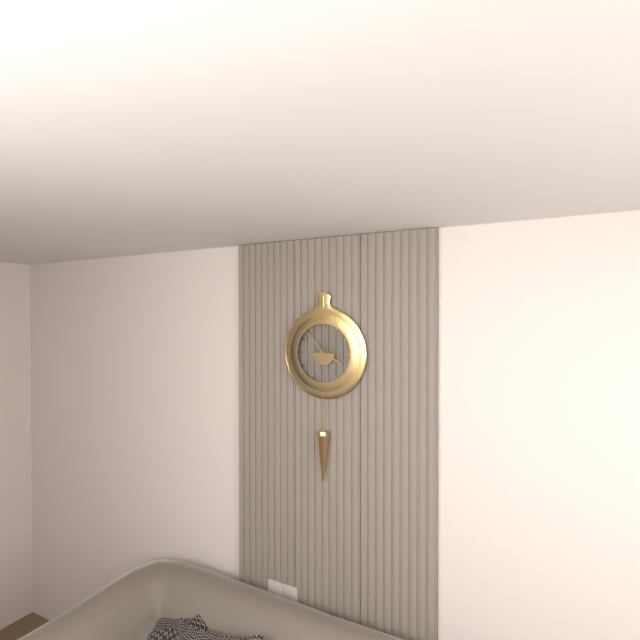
3:53
